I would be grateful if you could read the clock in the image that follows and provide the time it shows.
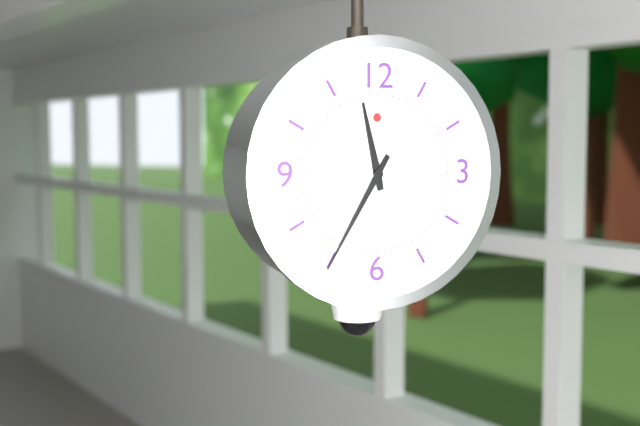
11:35
